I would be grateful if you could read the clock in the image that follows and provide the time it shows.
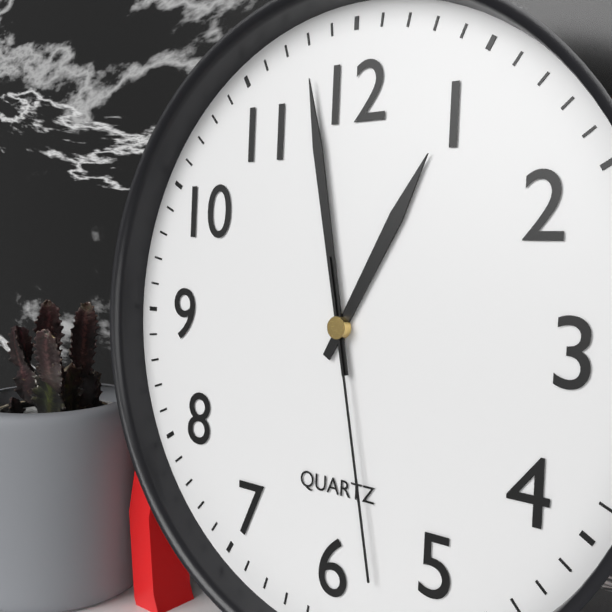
12:58:28
